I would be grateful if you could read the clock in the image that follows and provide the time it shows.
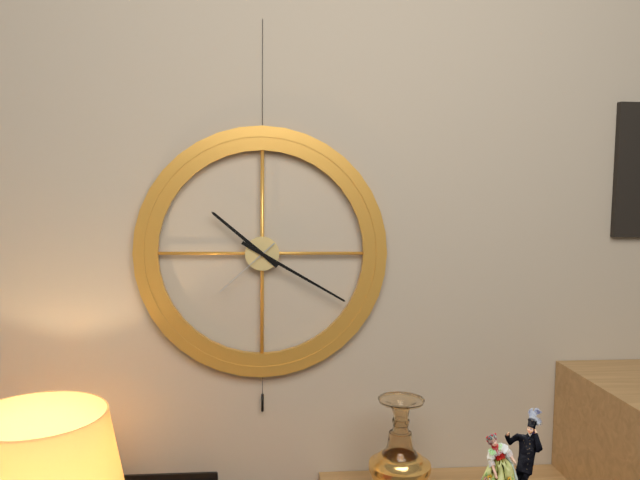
10:20:38
